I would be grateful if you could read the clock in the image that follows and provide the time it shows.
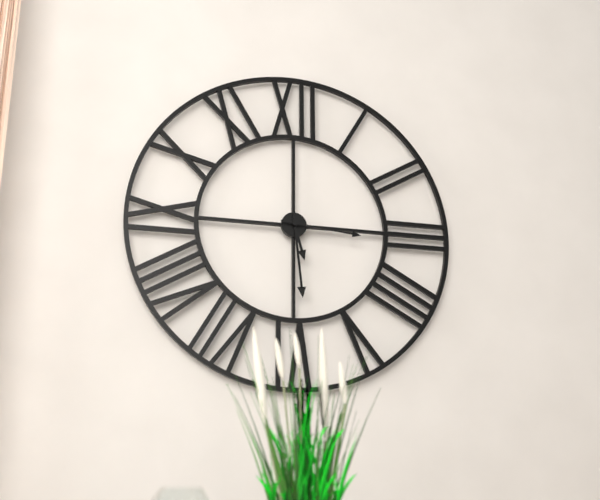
5:29:16
